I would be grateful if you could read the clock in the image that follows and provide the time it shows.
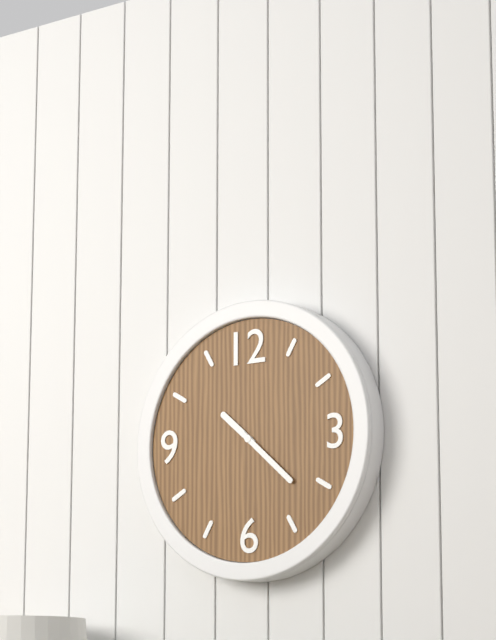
10:22
